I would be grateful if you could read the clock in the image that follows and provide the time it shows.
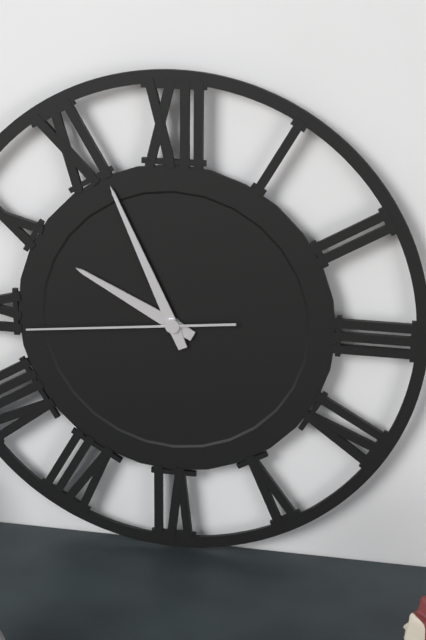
9:56:44
